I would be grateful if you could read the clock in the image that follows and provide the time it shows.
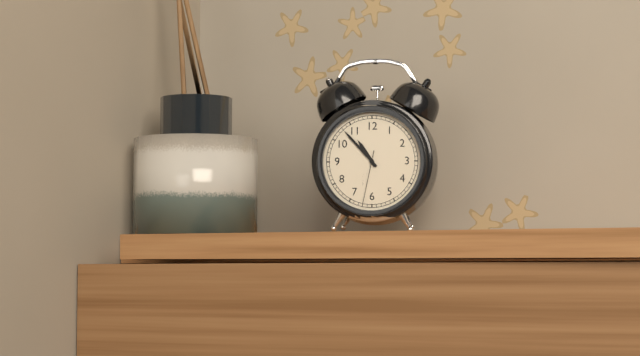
10:53:32
